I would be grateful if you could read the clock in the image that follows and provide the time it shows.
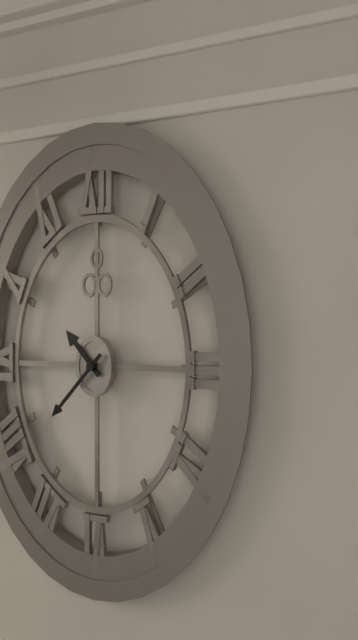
10:37
